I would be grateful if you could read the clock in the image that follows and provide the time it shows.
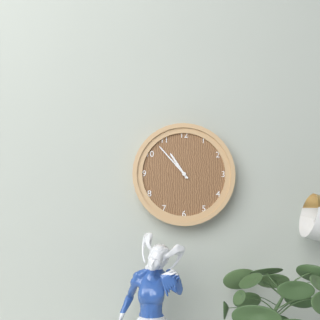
10:53
